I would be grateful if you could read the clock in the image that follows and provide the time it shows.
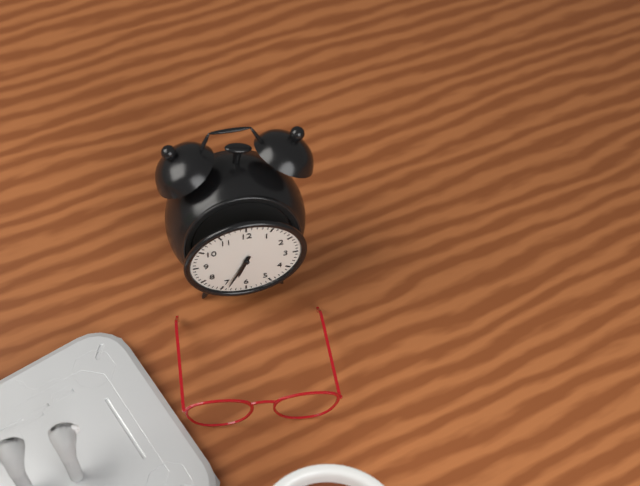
6:34
